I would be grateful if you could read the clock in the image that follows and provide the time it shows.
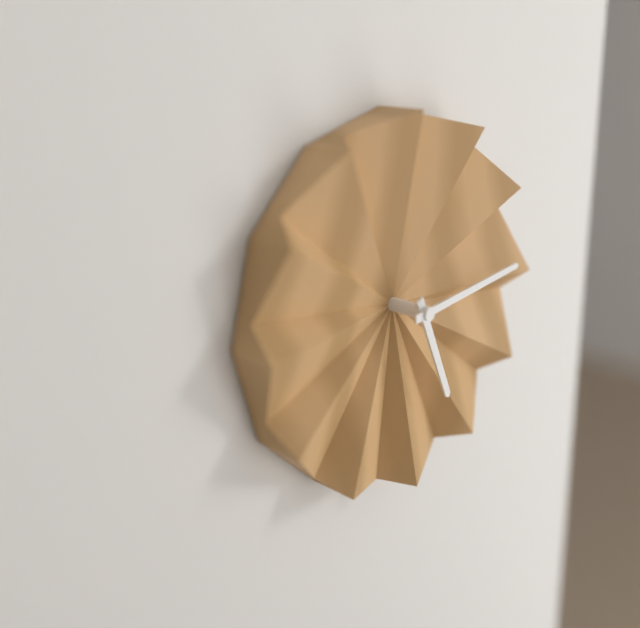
5:14
